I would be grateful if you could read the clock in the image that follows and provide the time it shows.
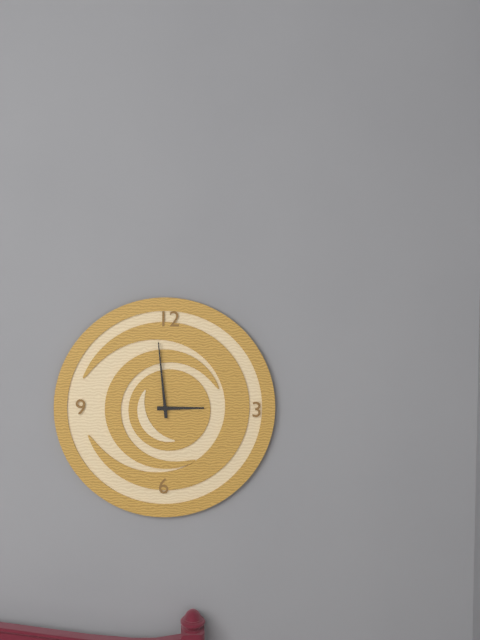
2:59
